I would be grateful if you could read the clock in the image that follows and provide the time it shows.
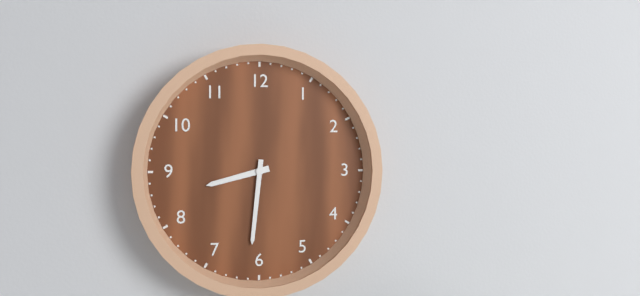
8:31
